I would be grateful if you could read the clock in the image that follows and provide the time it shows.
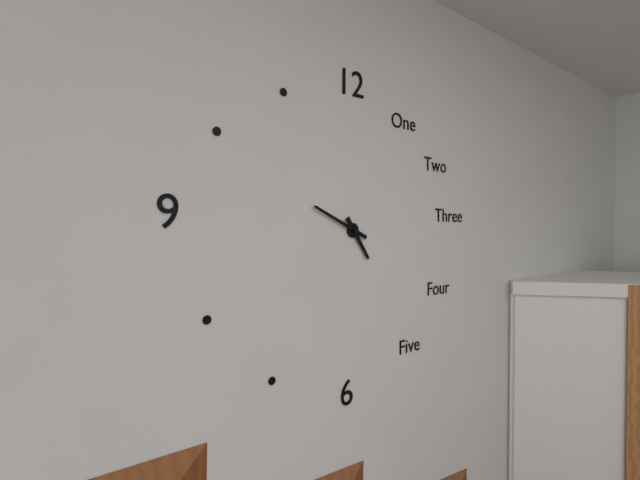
4:49
